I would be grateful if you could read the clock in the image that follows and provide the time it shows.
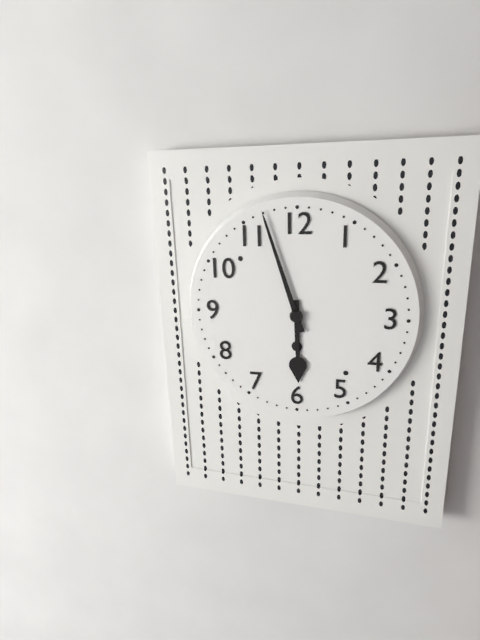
5:57
